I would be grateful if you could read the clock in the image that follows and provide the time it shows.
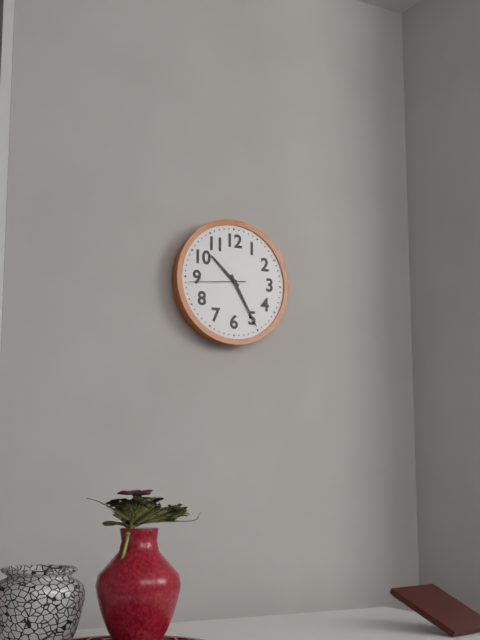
10:25:44
